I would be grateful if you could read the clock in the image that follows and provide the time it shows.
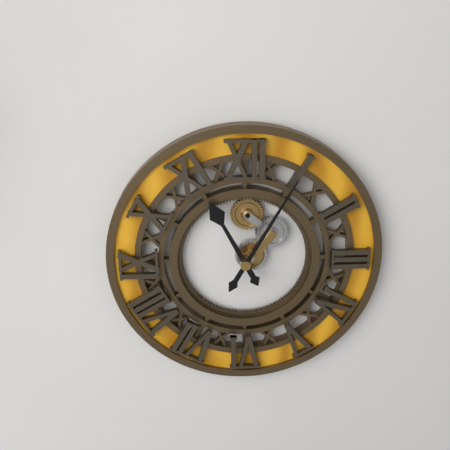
11:05
